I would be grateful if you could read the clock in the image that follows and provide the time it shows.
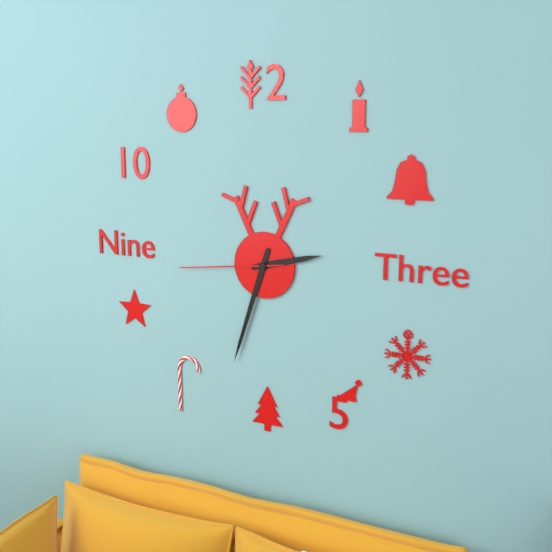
2:33:44
